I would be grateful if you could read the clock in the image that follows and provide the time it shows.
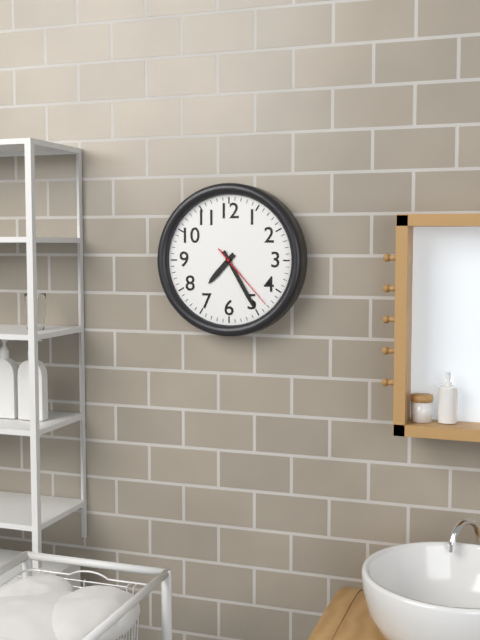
7:25:23
